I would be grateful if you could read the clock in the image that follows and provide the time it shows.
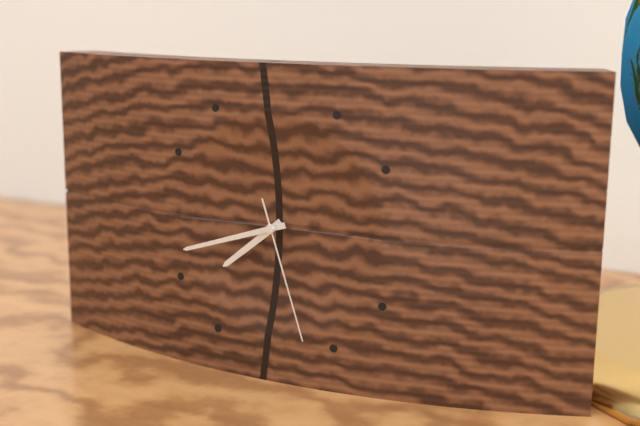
7:42:27
